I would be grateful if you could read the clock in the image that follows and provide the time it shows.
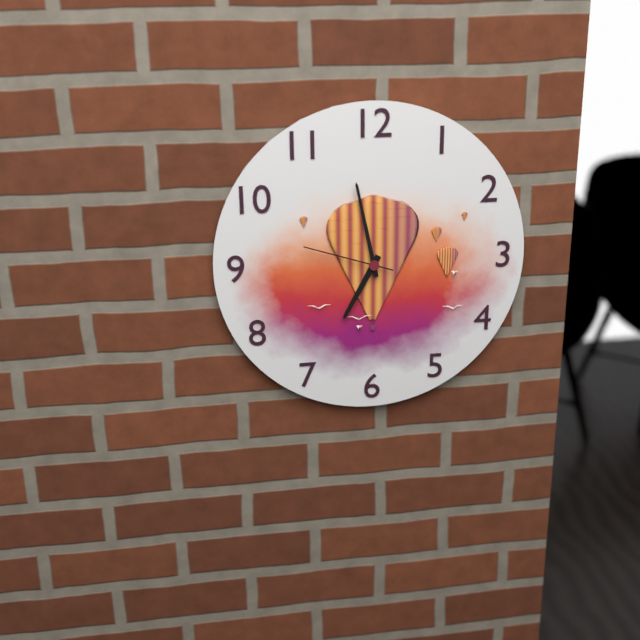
6:58:48
